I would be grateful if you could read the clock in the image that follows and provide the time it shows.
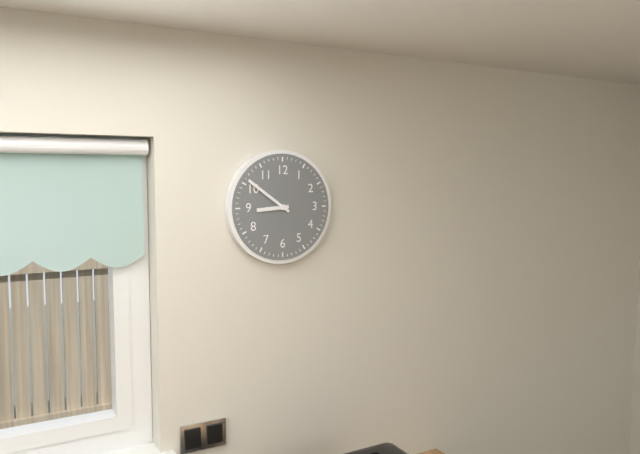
8:51
